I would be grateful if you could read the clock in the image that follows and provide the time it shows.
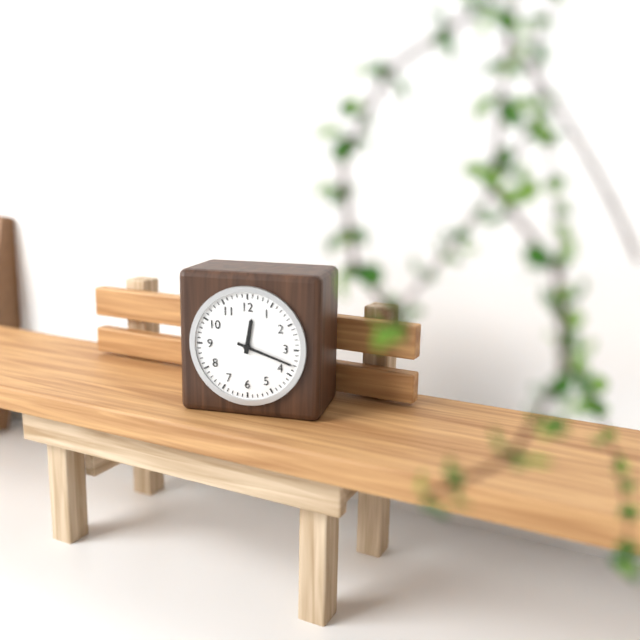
12:18
